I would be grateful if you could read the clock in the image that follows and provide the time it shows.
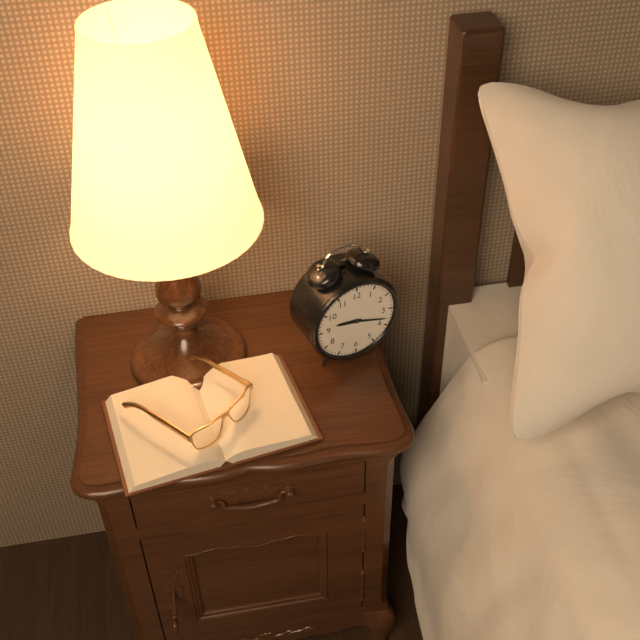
9:18
